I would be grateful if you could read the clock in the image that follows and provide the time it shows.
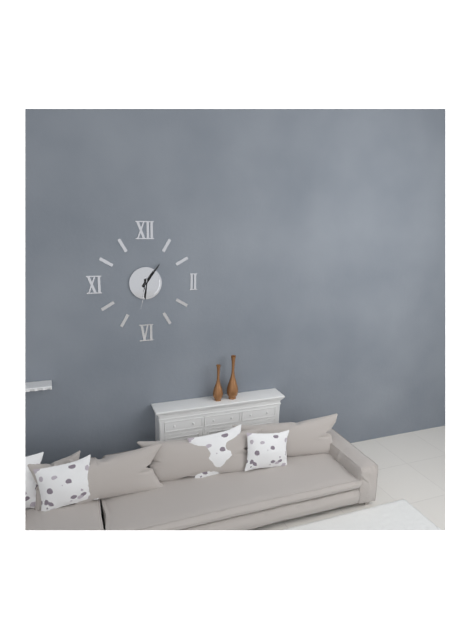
6:06
